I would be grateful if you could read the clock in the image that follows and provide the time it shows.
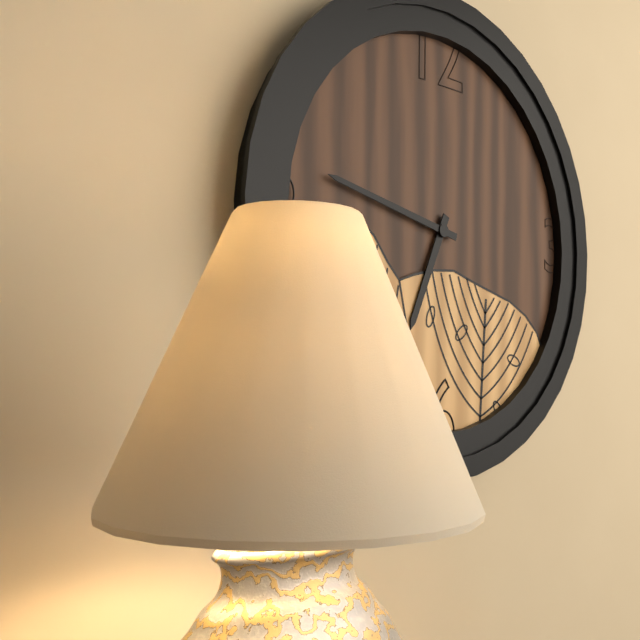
6:47
